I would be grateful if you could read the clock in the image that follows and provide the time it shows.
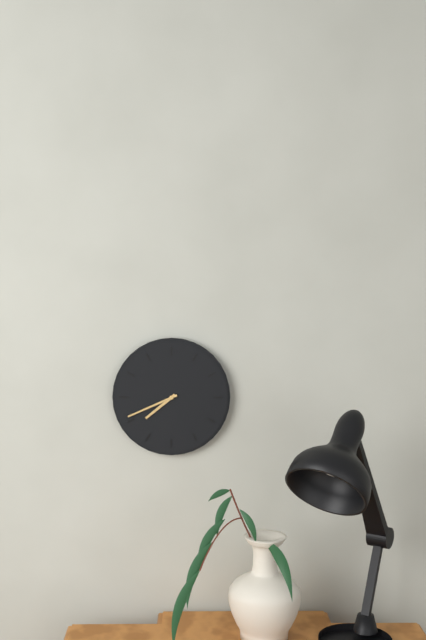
7:41
